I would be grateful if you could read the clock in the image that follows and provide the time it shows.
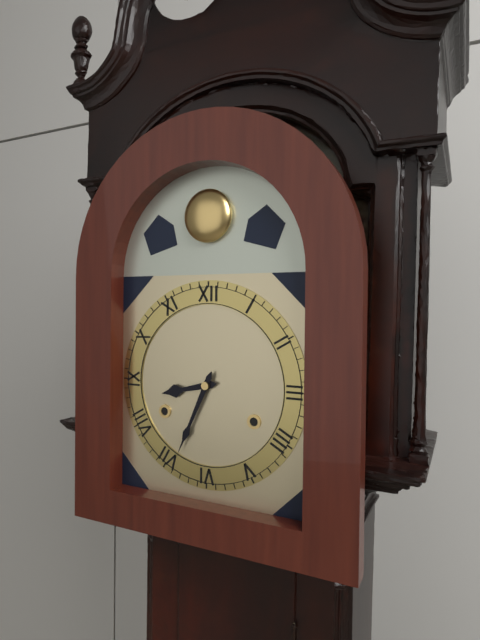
8:34
